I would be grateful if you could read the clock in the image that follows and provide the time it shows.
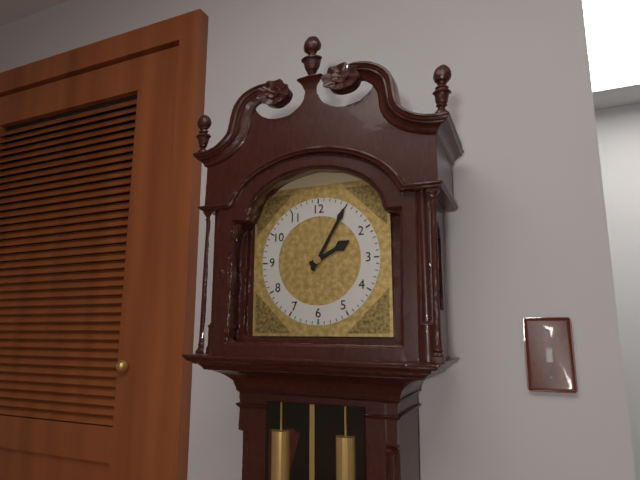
2:05
